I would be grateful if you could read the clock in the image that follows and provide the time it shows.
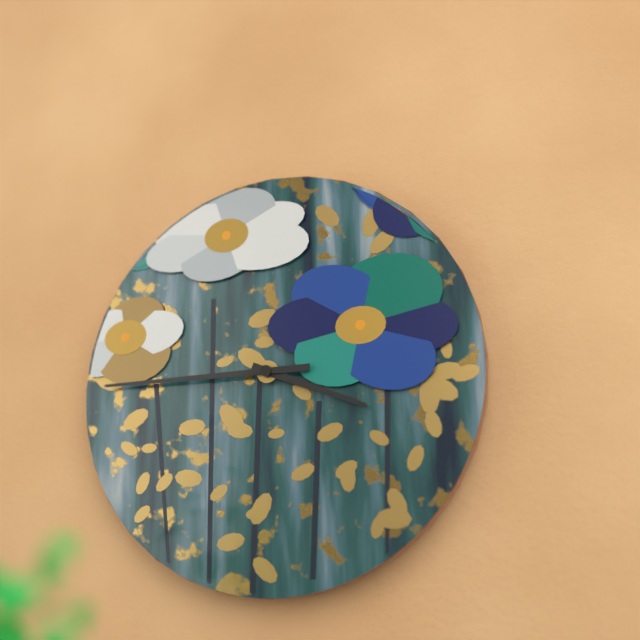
3:45
